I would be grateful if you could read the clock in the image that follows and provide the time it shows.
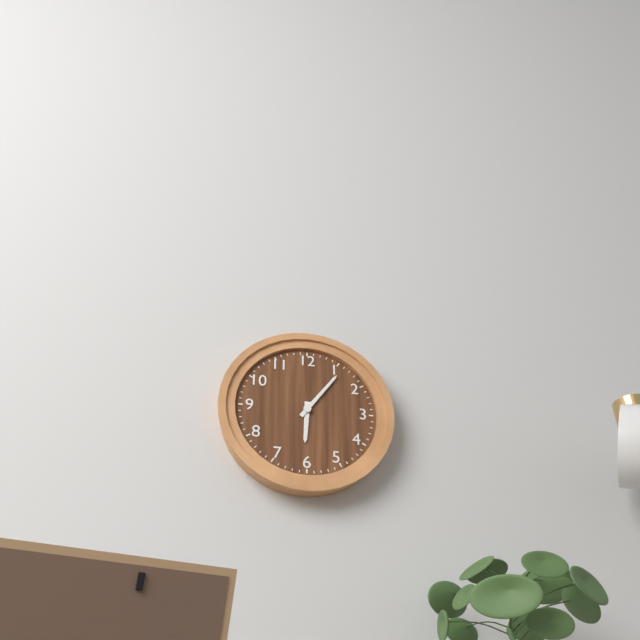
6:06
